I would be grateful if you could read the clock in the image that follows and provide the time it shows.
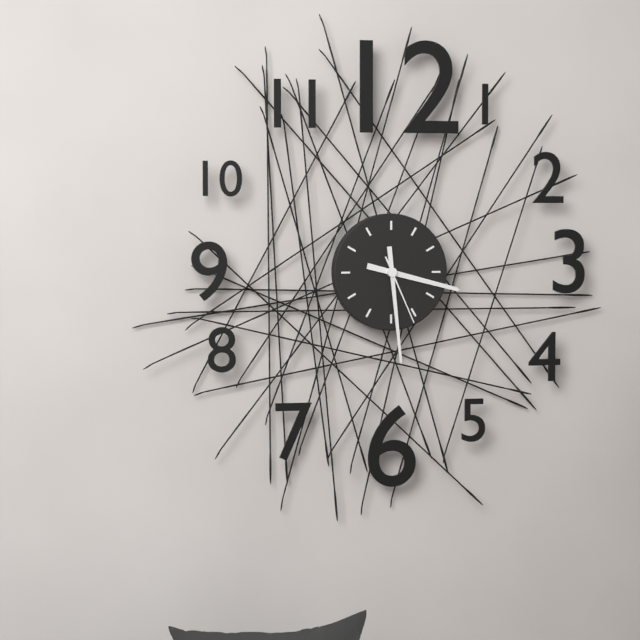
3:29:26
